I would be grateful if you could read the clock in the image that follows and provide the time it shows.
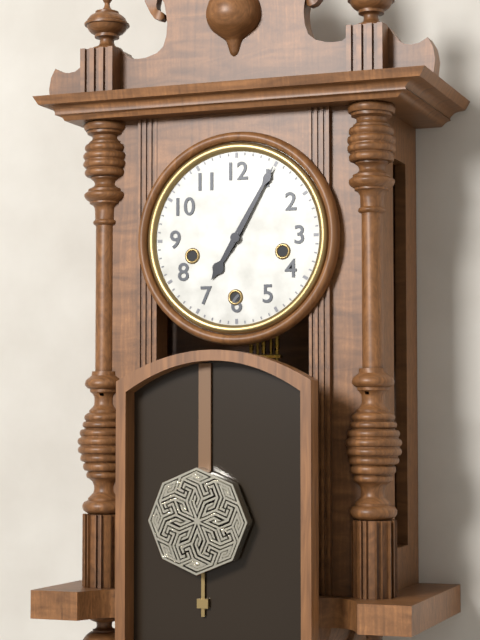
7:05
